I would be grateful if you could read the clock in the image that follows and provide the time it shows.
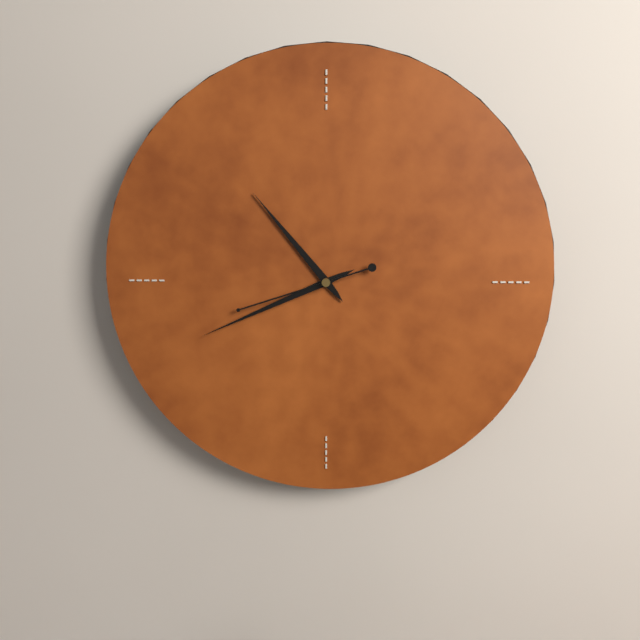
10:41:42
